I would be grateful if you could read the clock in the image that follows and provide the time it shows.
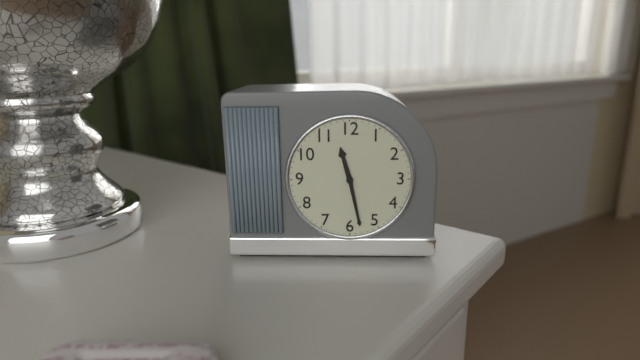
11:28
